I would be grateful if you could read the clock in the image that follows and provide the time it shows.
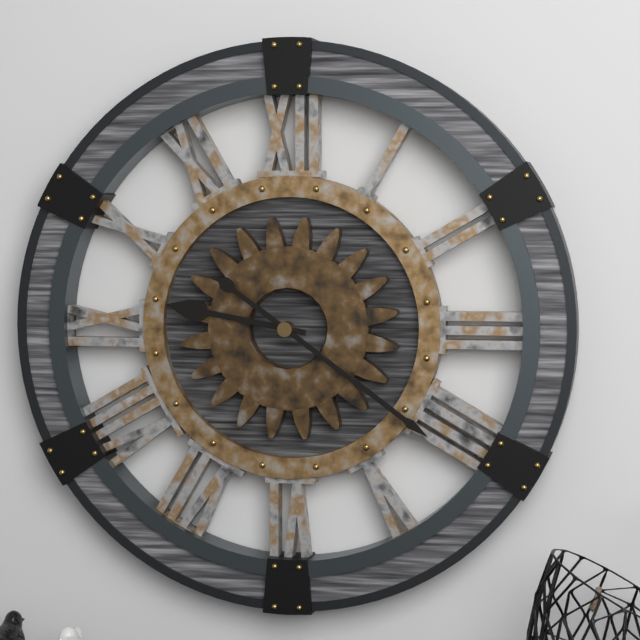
9:21
